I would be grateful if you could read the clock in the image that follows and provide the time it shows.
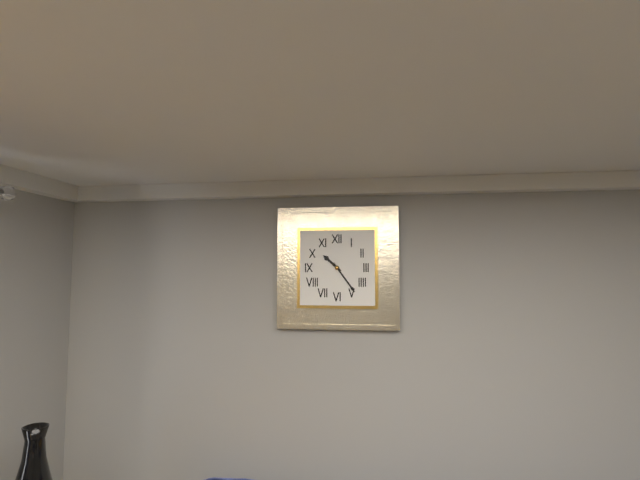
10:24
